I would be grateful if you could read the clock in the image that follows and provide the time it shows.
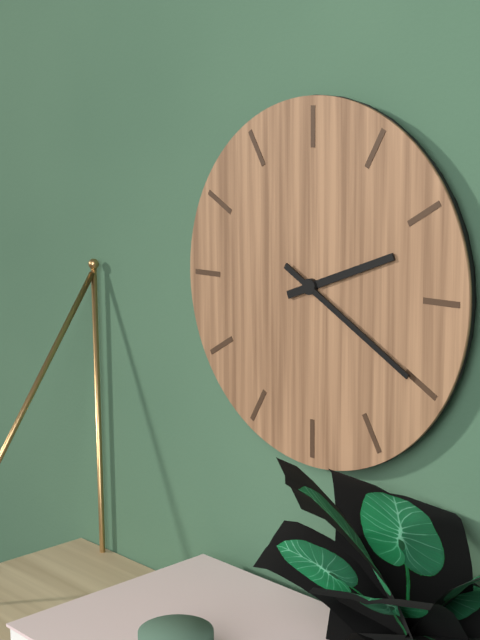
2:20
